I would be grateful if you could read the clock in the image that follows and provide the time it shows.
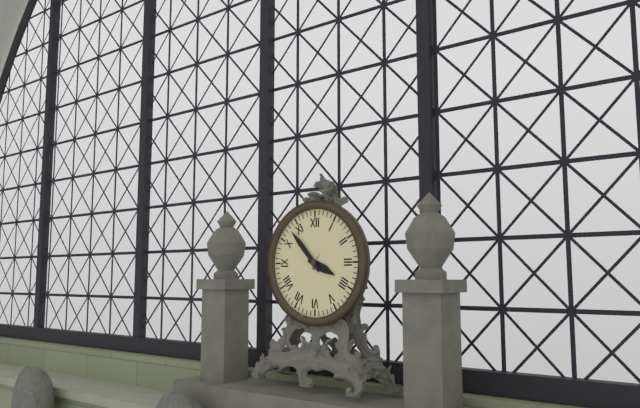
3:53
